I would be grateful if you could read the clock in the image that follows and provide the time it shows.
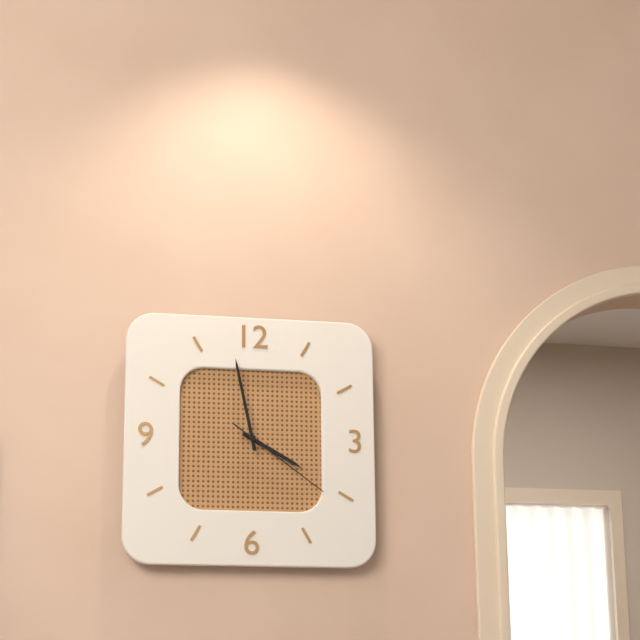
3:58:21
